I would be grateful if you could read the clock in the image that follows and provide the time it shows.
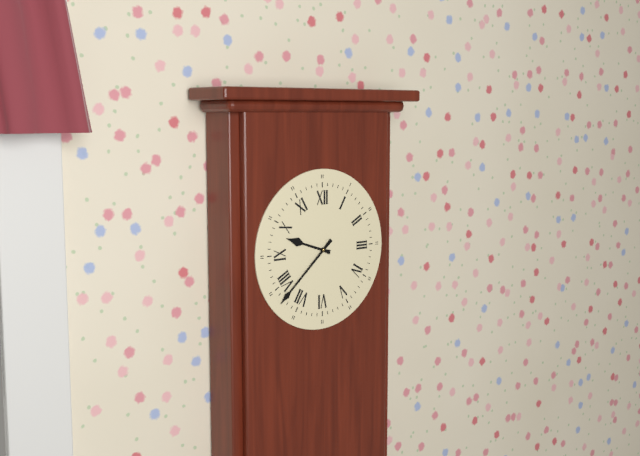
9:38
